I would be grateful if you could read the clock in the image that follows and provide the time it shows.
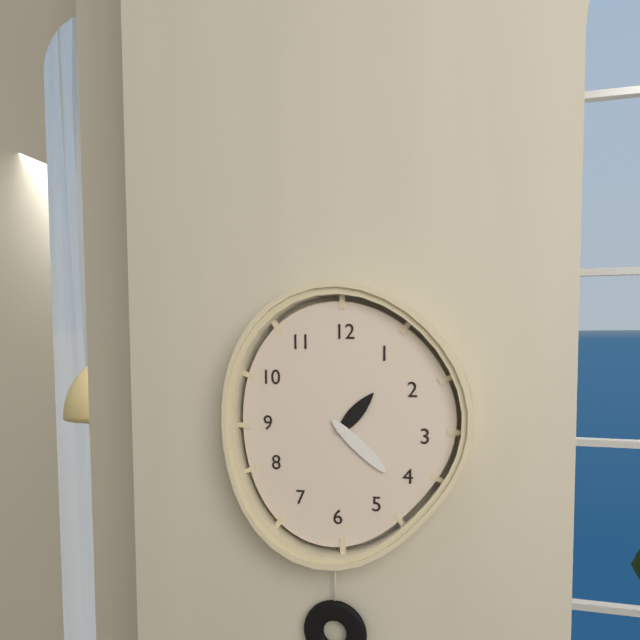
1:22
